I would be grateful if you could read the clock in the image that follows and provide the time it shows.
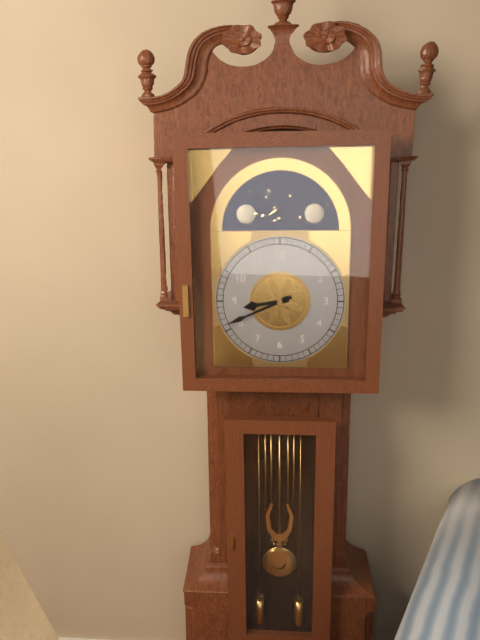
8:41
